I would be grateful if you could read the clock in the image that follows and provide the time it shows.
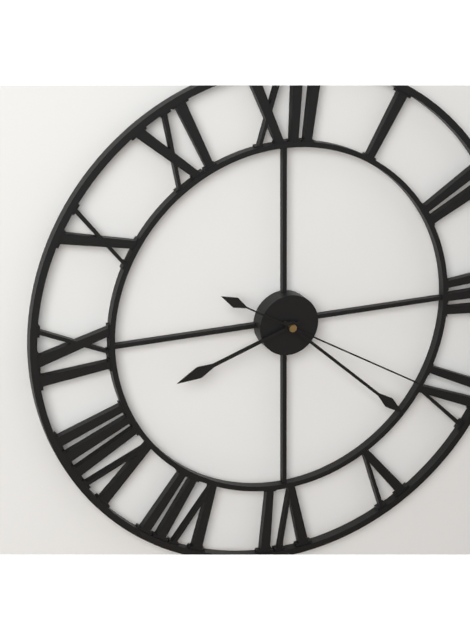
8:22:20
